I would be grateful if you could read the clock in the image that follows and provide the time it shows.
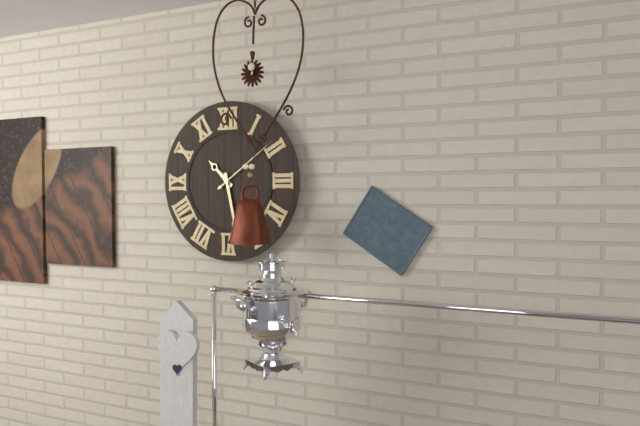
10:28:09
